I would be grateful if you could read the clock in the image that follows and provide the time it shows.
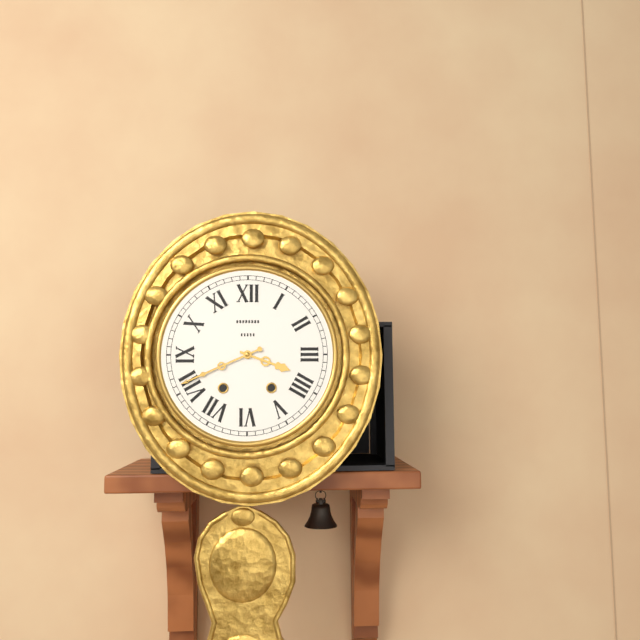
3:41
